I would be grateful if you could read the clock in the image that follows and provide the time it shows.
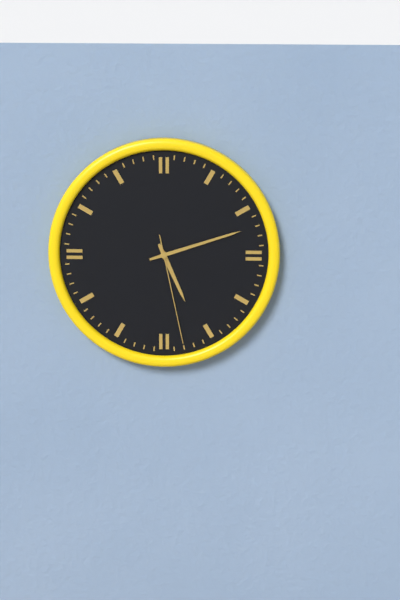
5:12:28
